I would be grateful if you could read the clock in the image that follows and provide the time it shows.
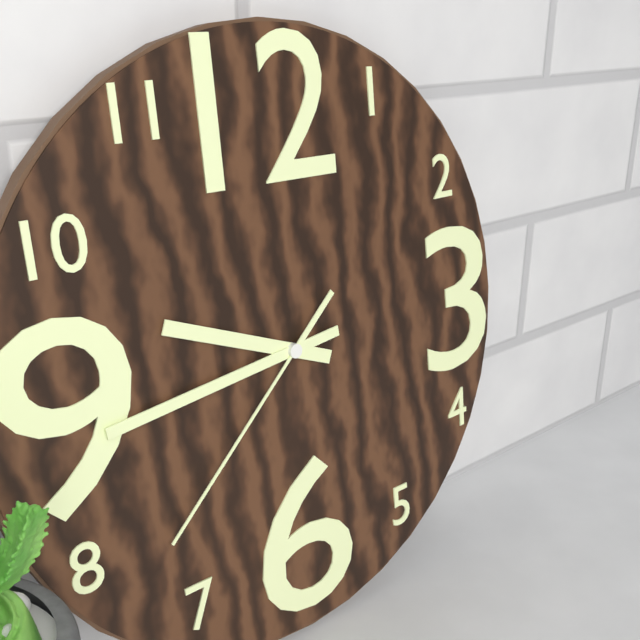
9:44:38
